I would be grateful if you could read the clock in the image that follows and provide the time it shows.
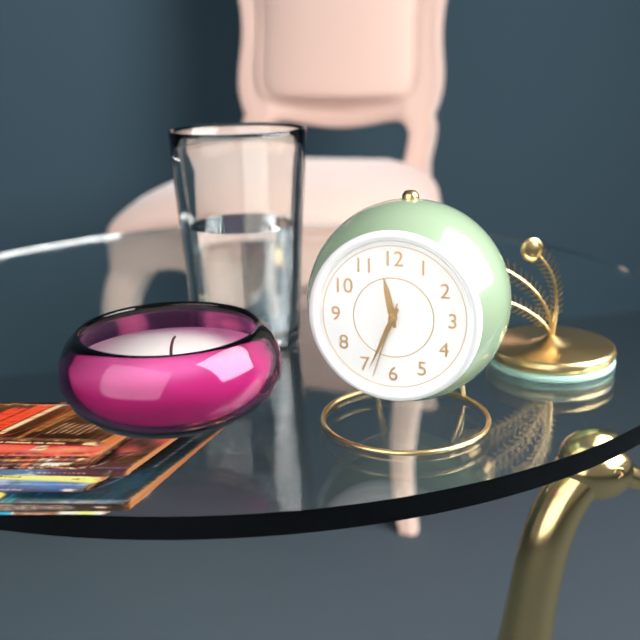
11:34:33
